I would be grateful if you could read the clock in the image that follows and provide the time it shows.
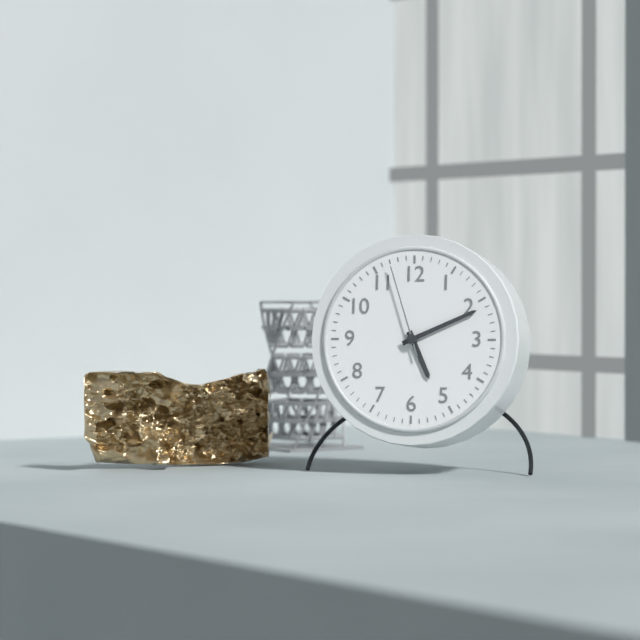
5:11:57
